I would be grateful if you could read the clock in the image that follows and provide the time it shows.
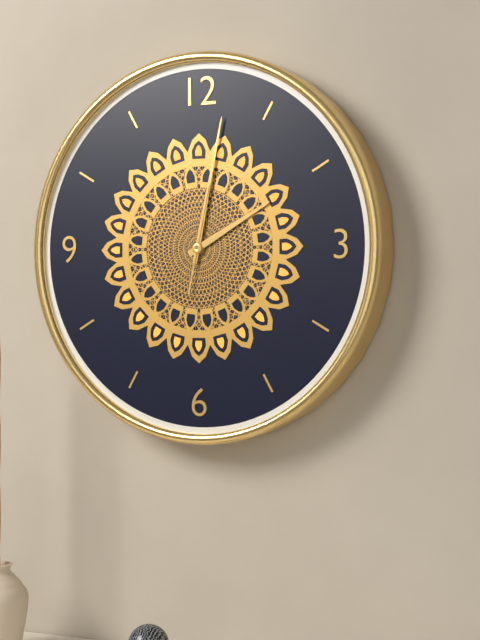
2:02:02
